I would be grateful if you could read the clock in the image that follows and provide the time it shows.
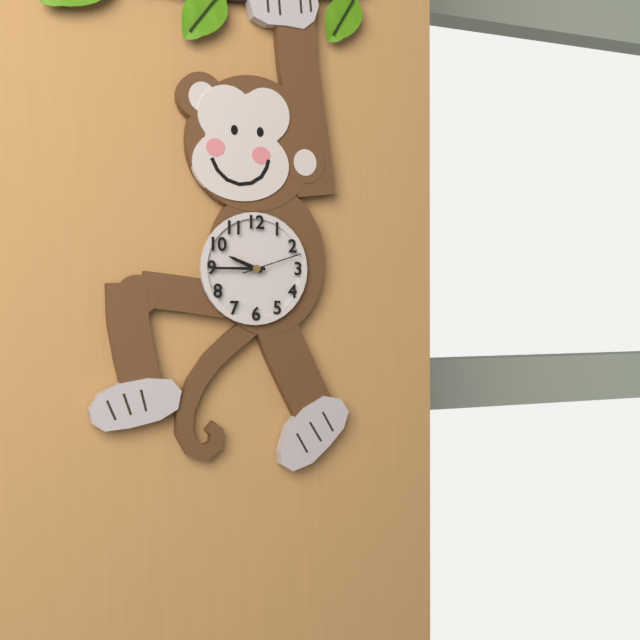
9:45:12
